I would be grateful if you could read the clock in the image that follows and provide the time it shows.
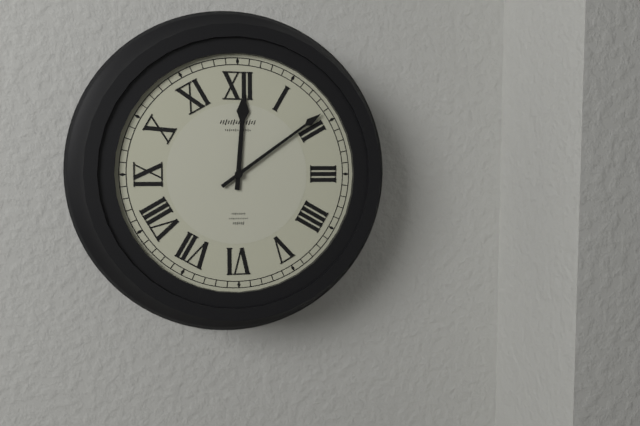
12:09
